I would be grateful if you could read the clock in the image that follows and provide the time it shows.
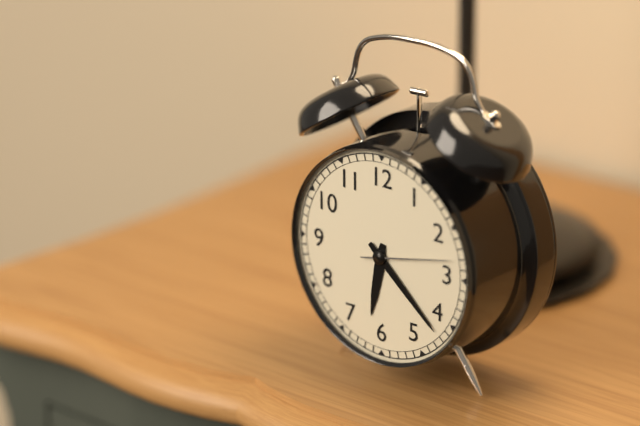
6:22:13
